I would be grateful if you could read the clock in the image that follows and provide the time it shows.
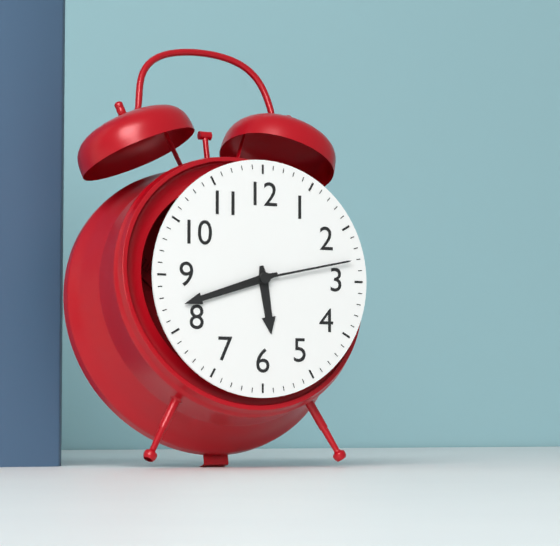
5:42:13
